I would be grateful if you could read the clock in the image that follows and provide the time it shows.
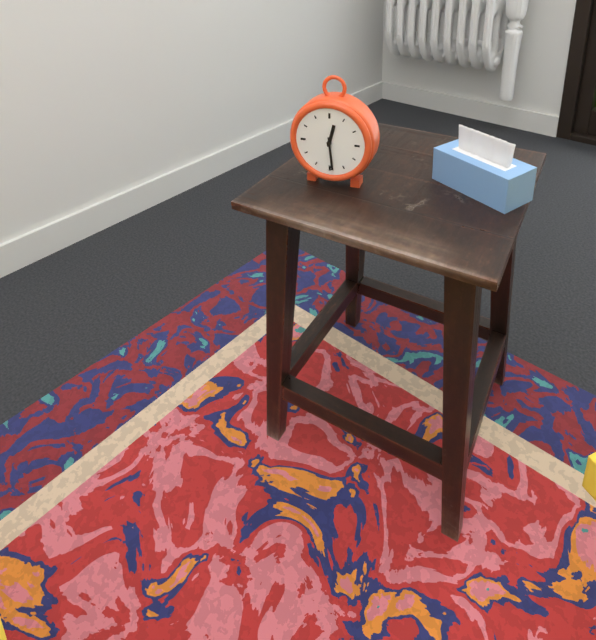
12:29
